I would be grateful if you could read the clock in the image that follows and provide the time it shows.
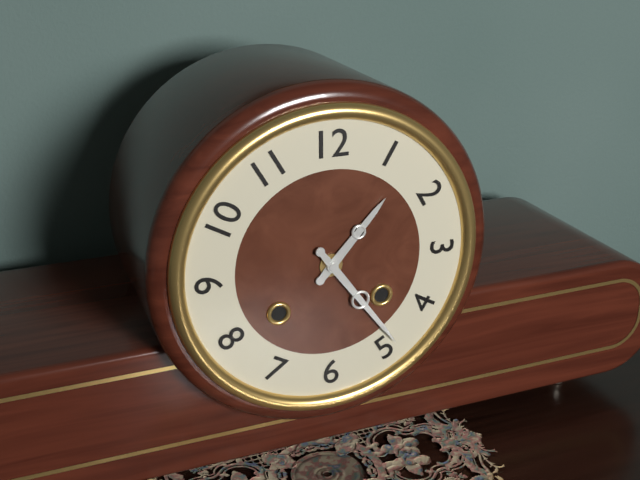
1:24
